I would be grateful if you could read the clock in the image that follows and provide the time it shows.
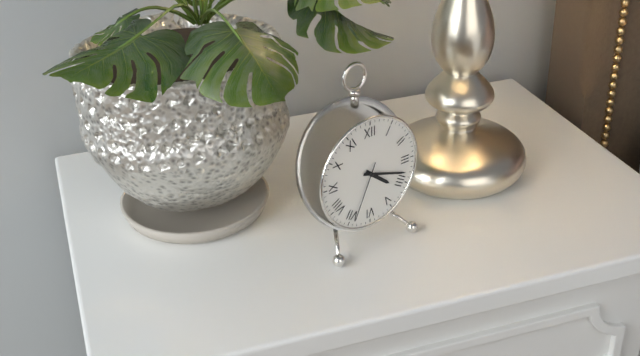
4:18:34
